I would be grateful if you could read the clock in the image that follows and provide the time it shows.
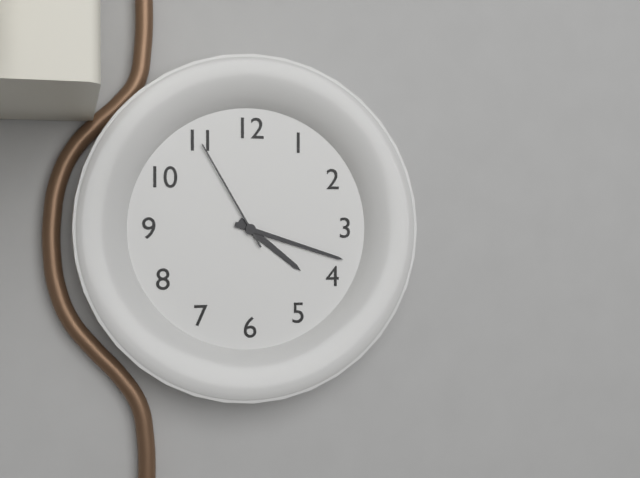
4:18:55
